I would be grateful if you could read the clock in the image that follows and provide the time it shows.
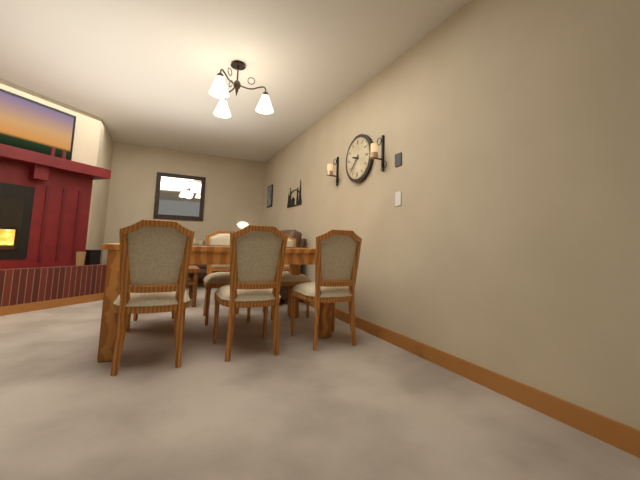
9:37
